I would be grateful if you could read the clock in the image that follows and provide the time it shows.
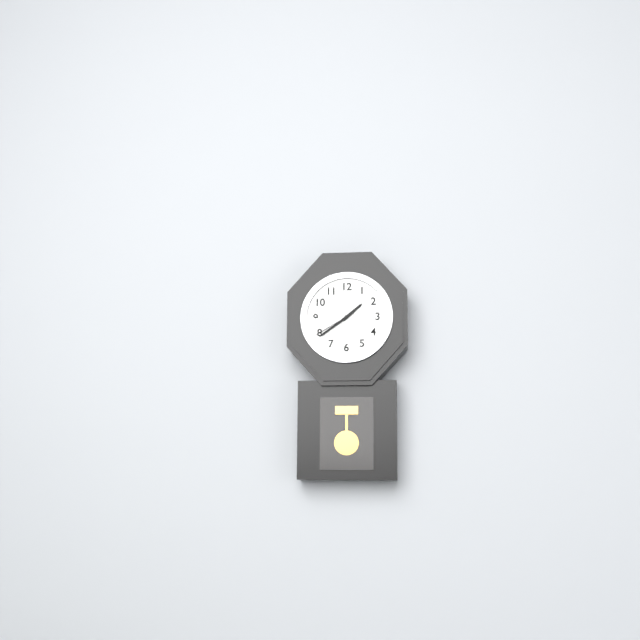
1:39
